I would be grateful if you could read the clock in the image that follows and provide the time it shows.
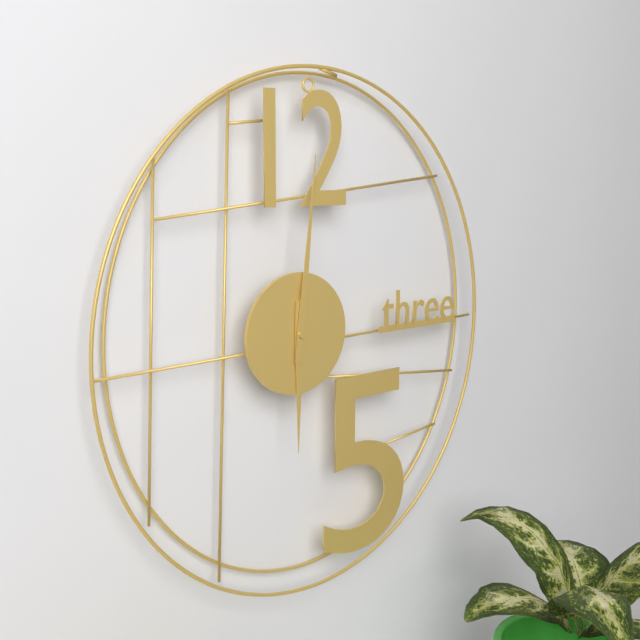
6:01
